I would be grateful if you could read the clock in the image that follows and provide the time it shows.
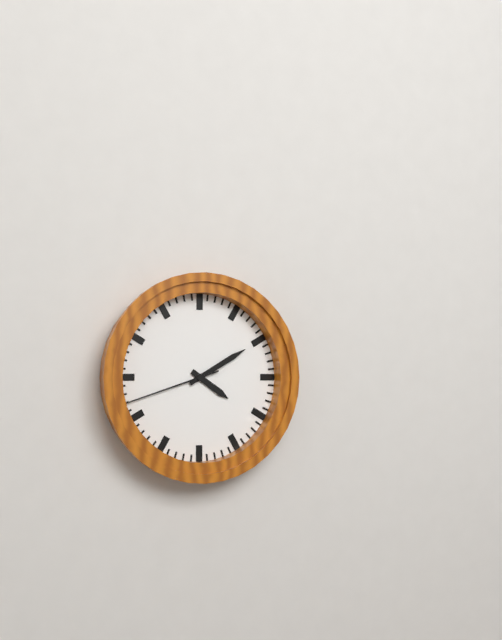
4:10:42
